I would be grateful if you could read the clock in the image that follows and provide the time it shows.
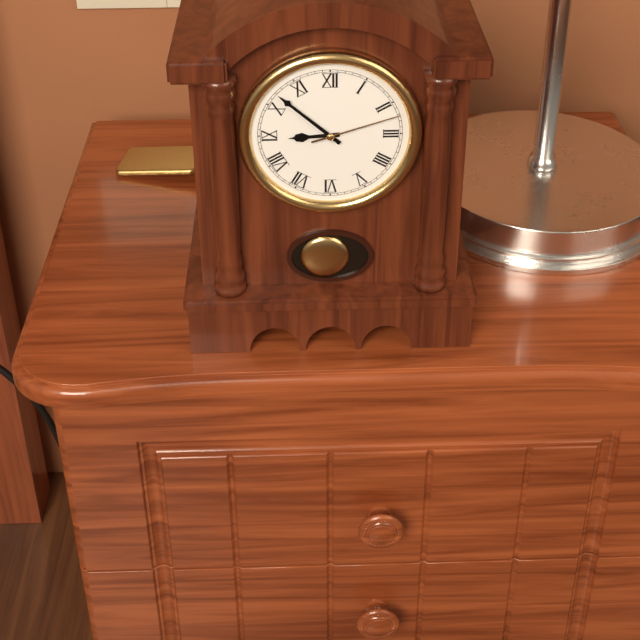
8:52:12
